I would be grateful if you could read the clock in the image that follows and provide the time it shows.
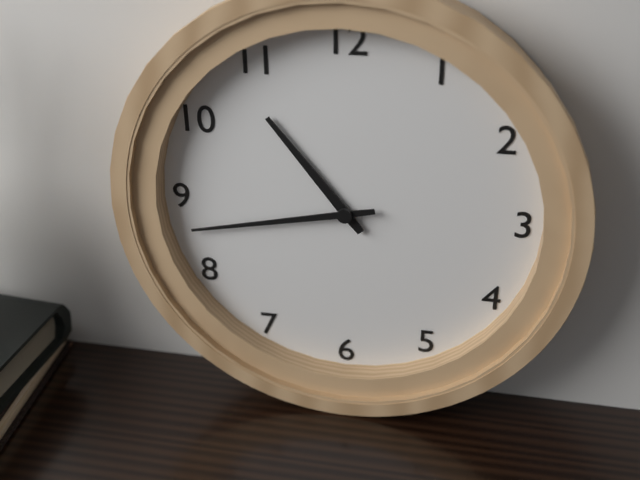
10:43
